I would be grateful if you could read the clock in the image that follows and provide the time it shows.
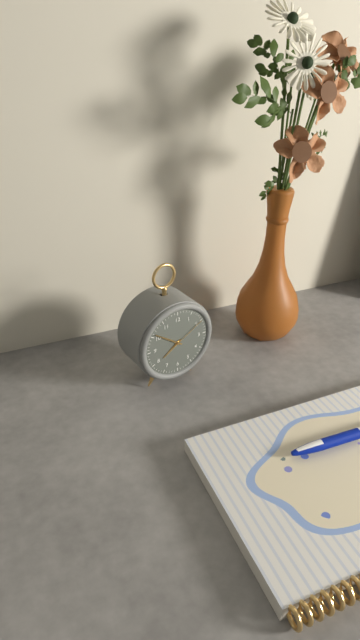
7:51
